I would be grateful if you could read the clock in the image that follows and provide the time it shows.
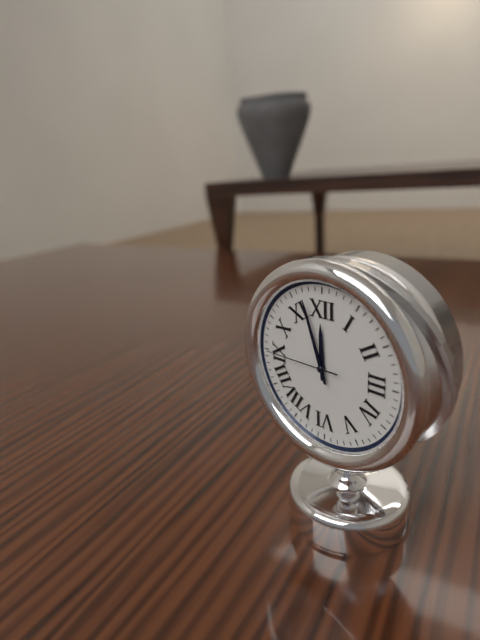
11:57:45
